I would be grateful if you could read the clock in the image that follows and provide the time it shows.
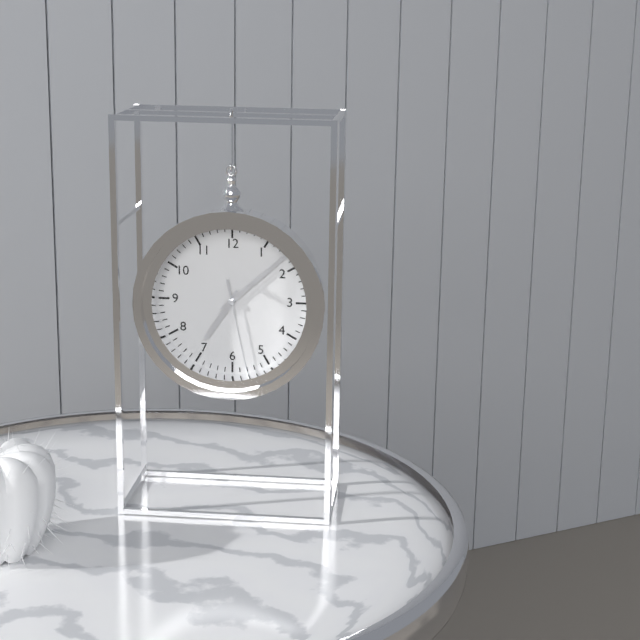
7:08:28
